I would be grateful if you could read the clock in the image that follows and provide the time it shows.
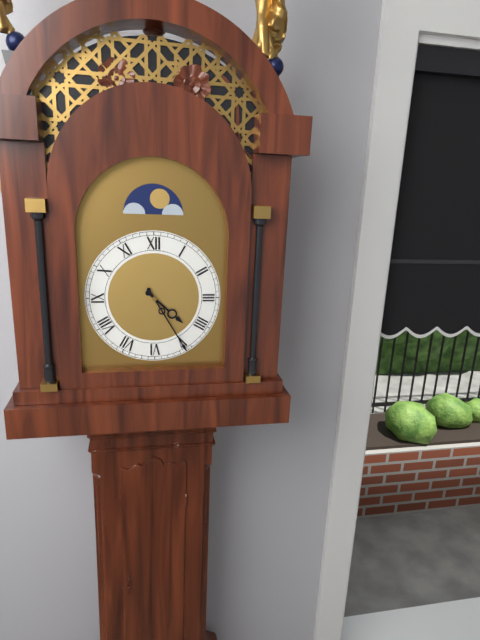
4:25
